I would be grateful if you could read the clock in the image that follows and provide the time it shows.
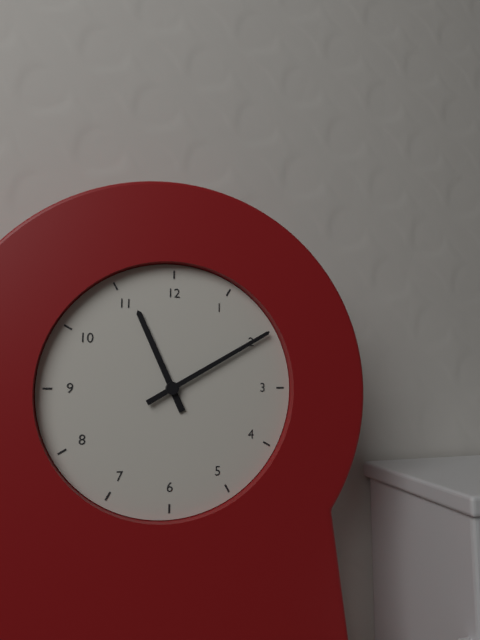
11:10
